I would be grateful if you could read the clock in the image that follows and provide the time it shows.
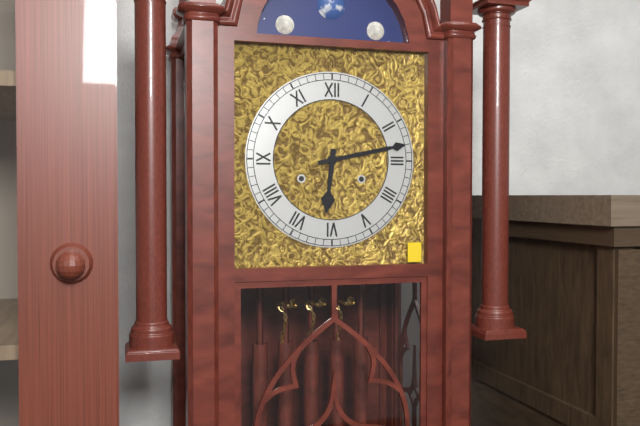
6:13
